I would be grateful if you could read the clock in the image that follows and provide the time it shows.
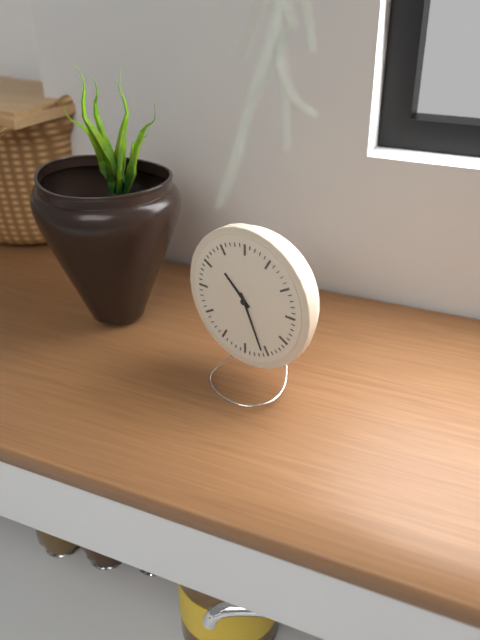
10:26
